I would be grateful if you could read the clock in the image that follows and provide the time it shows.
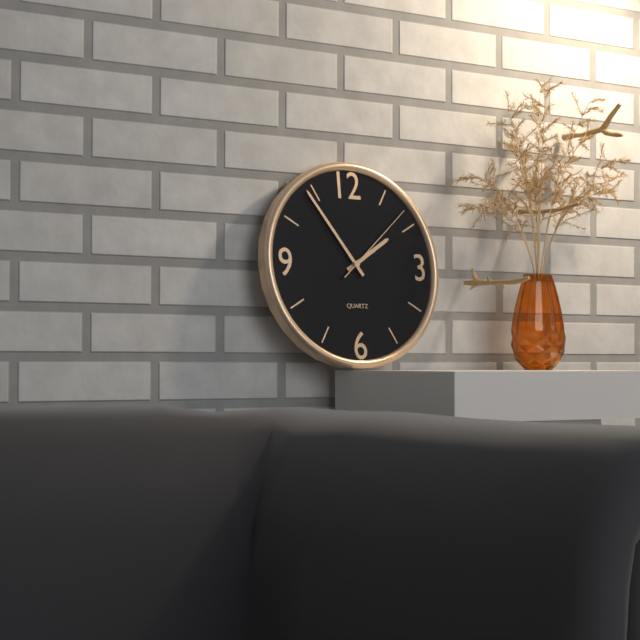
1:54:08
